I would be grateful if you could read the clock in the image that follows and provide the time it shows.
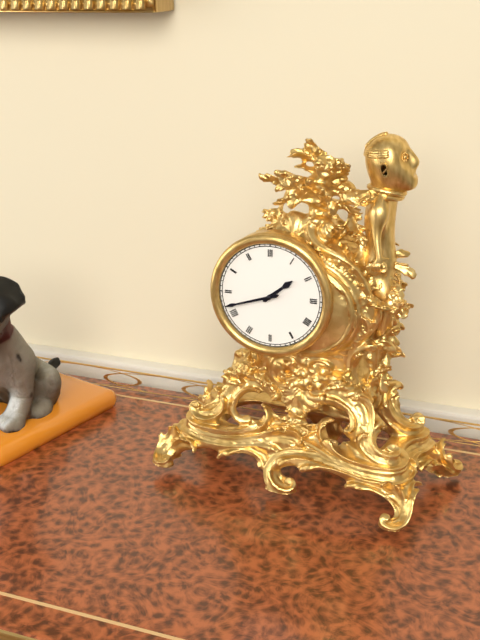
1:42
